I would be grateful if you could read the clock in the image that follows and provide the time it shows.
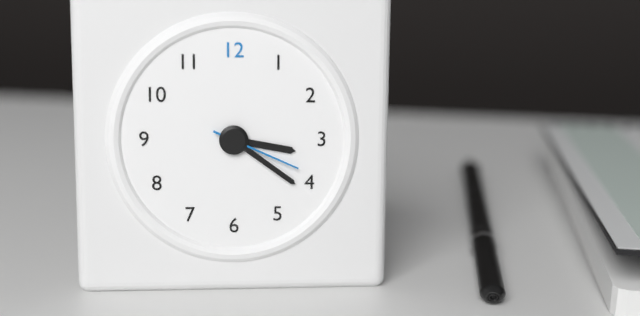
3:21:19
